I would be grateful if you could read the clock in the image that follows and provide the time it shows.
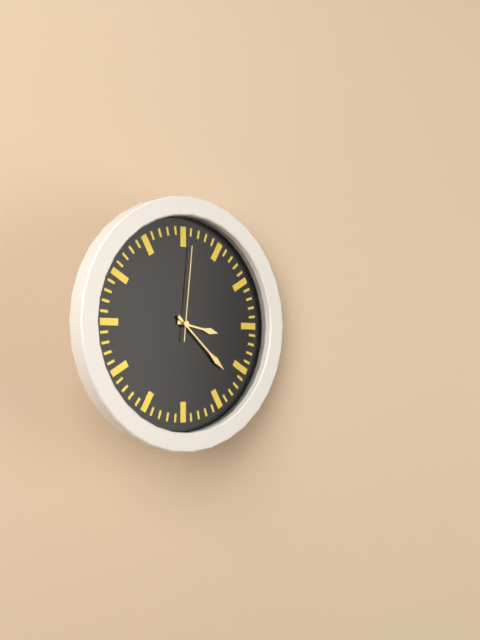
3:22:01
